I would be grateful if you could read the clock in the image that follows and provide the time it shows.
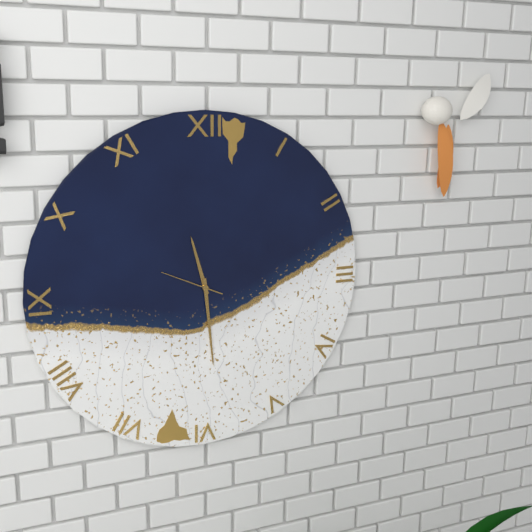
11:29:49
